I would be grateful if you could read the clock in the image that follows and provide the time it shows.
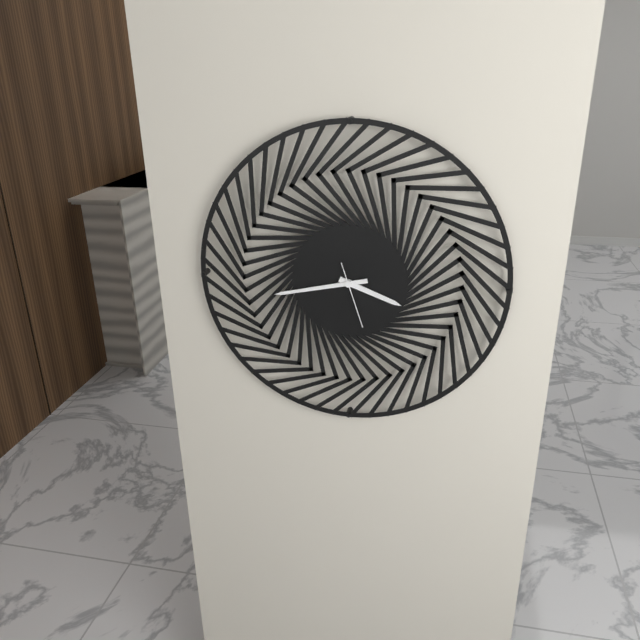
3:43:27
